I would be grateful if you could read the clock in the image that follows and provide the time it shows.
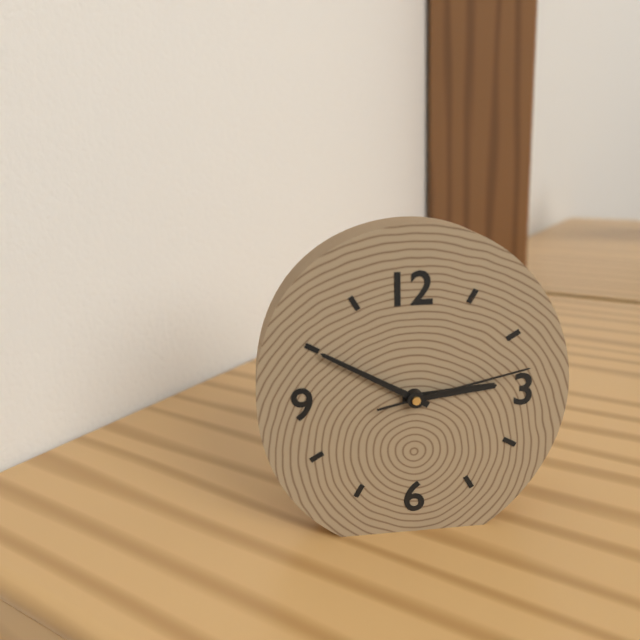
2:50:13
